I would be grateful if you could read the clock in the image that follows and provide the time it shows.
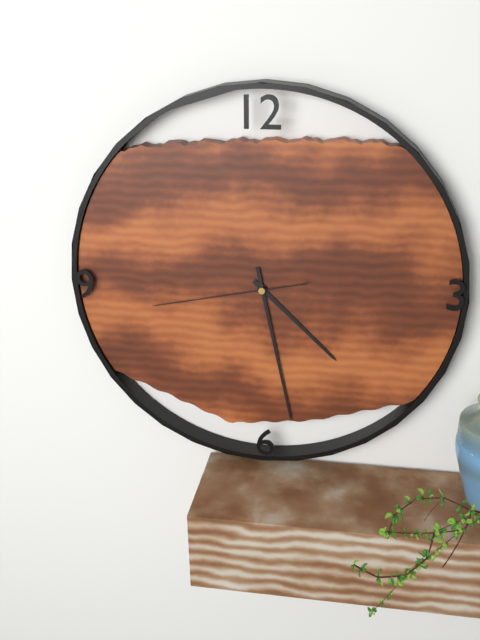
4:28:43
